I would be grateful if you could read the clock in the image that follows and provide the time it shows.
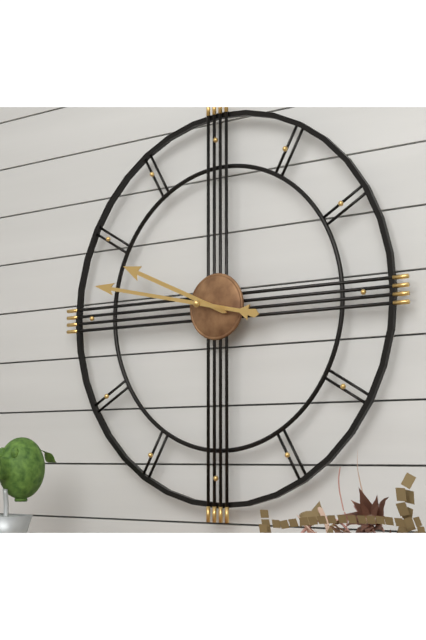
9:47
